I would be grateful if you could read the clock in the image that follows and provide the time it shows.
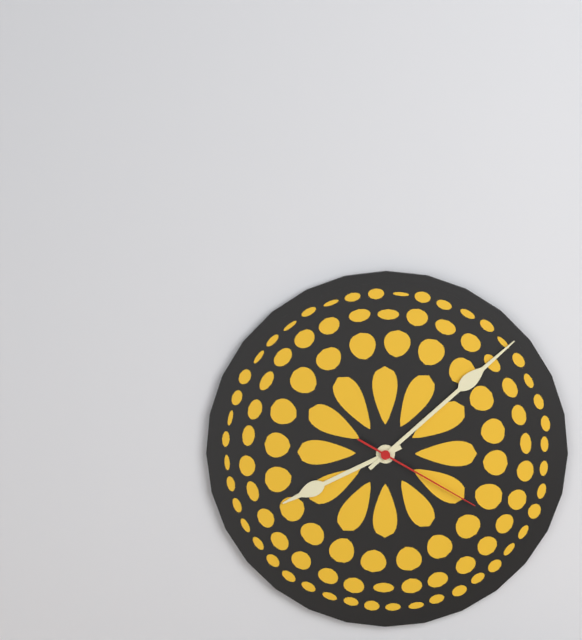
8:08:20
